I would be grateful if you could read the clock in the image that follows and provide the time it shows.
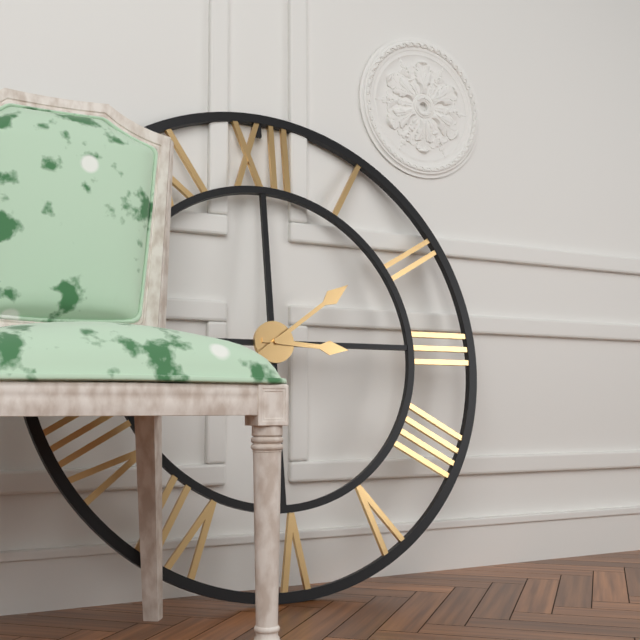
3:09
